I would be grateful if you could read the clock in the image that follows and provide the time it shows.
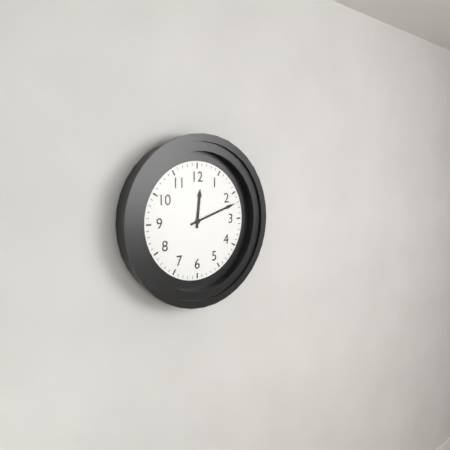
12:12
